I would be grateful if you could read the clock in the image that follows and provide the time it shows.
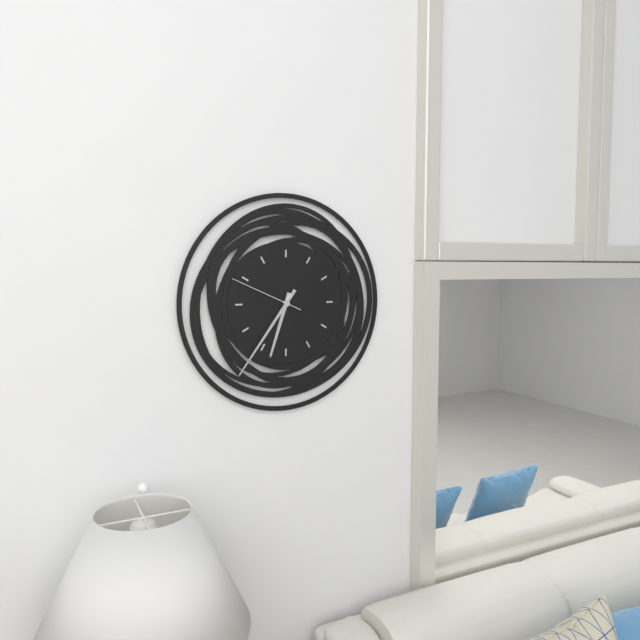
6:36:49
